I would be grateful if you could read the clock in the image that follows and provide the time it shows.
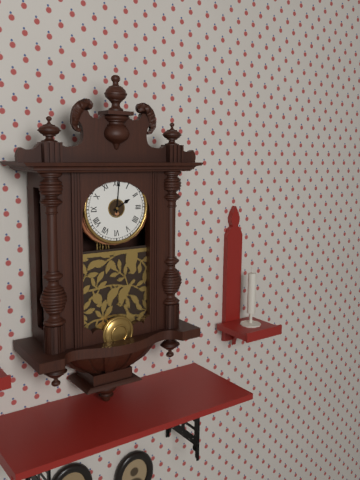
2:01
